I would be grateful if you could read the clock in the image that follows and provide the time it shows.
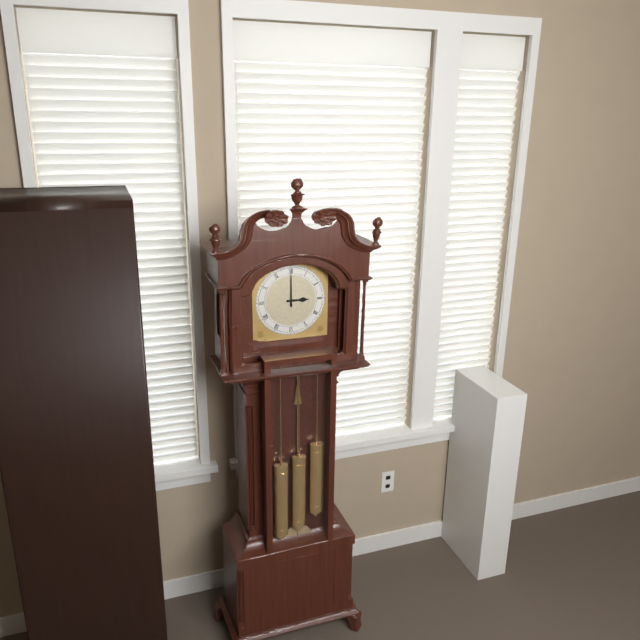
3:00
